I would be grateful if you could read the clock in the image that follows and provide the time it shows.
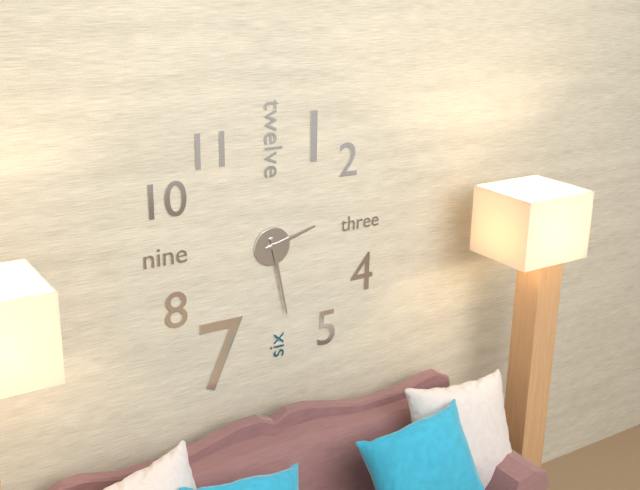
2:28
